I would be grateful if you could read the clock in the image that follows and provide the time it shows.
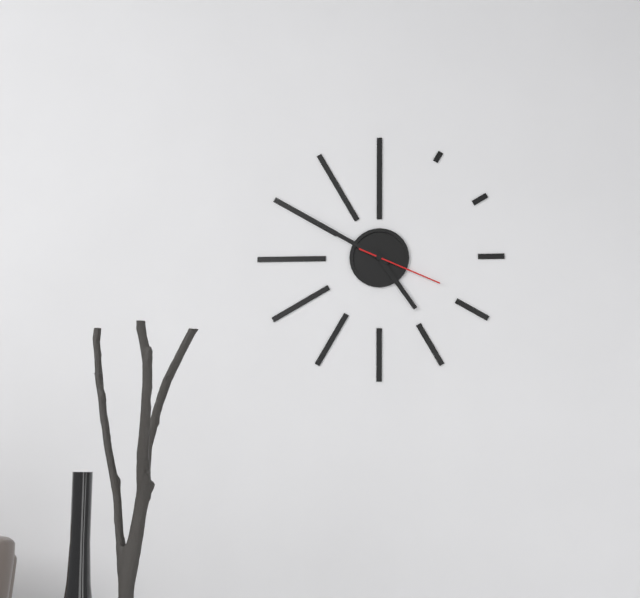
4:50:19
